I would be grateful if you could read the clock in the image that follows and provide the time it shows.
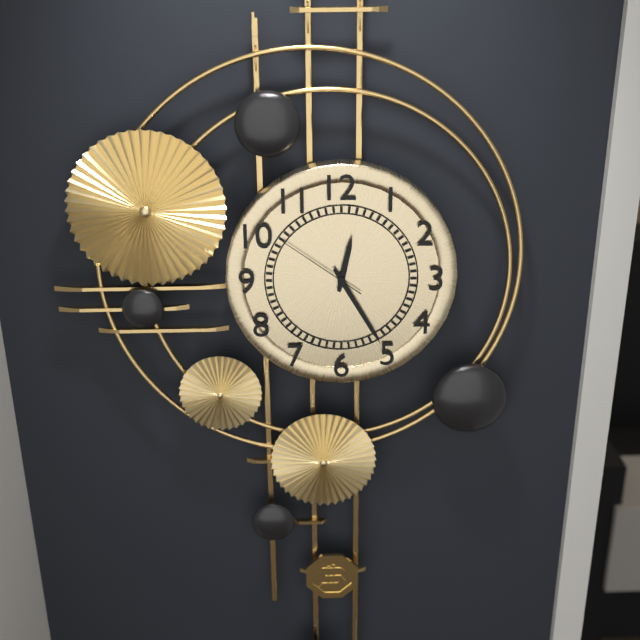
12:25:51
